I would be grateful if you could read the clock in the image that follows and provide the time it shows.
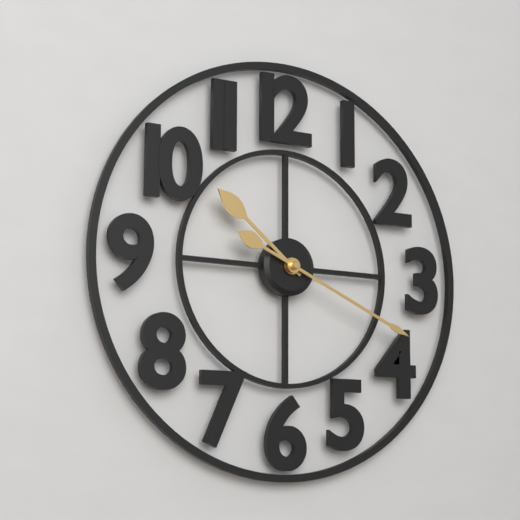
10:19
